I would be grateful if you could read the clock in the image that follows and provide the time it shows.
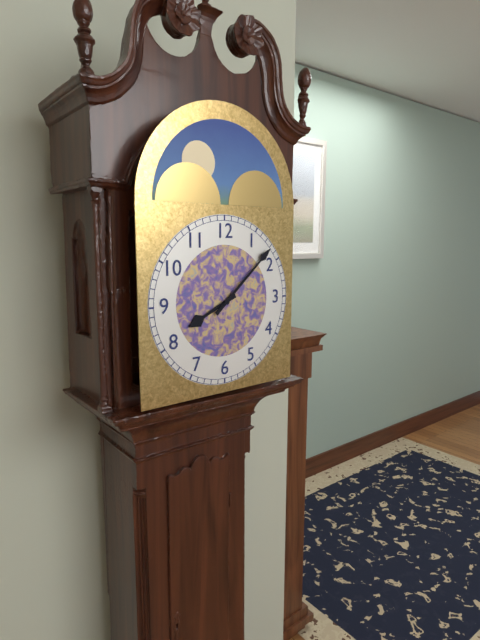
8:08
